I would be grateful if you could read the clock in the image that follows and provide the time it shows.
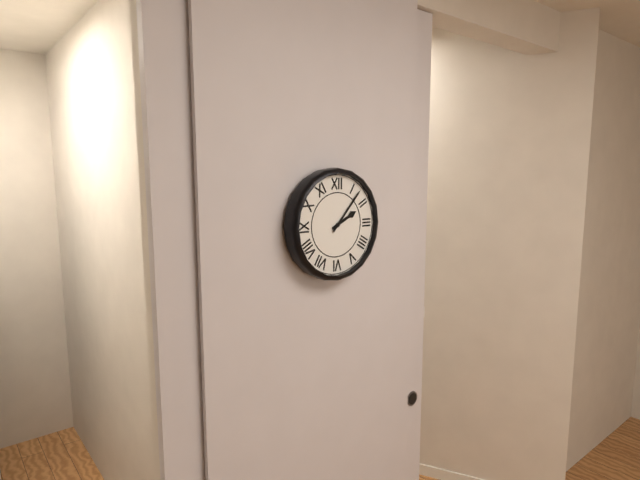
2:07
